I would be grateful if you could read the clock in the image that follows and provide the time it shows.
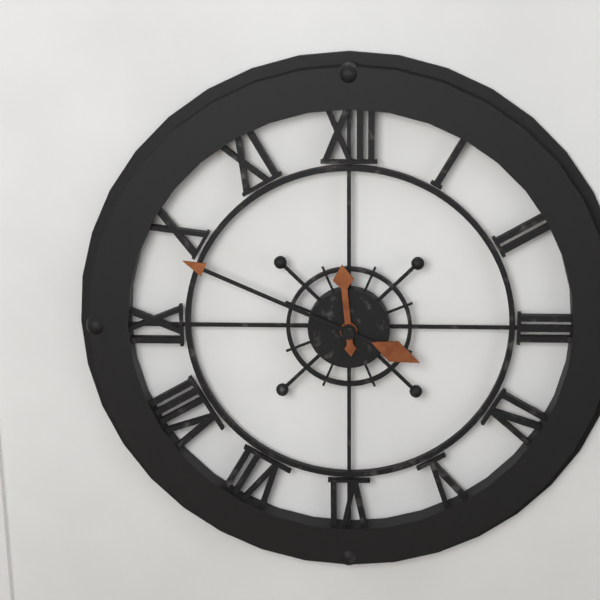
11:49
